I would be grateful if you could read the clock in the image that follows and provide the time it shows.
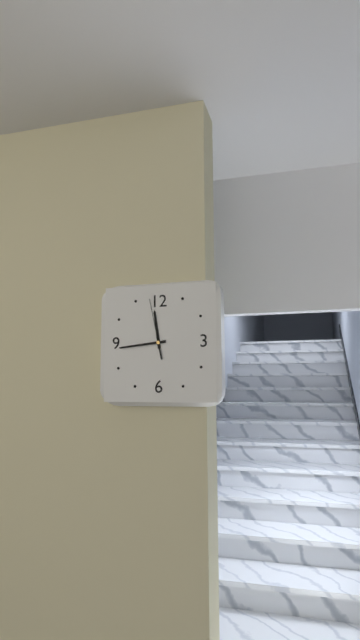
11:44:58
